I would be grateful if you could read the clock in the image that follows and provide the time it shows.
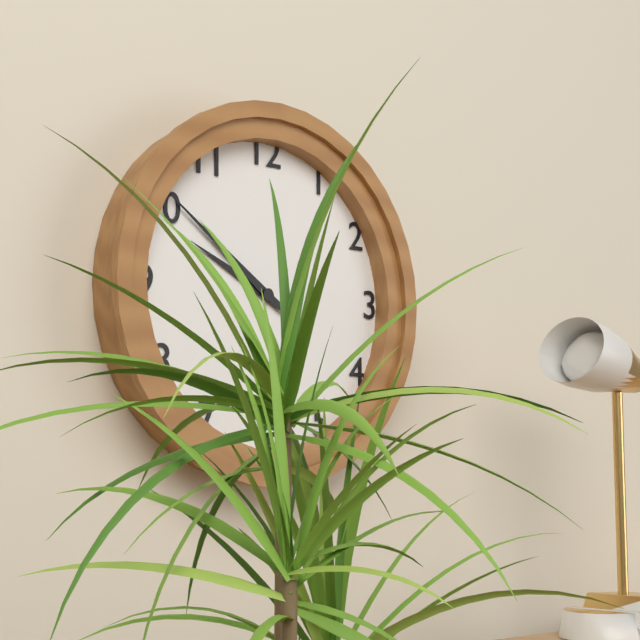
9:51
